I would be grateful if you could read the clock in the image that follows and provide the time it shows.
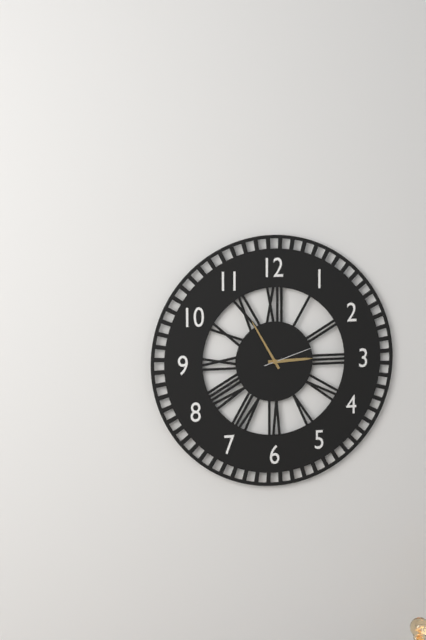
2:55:12
